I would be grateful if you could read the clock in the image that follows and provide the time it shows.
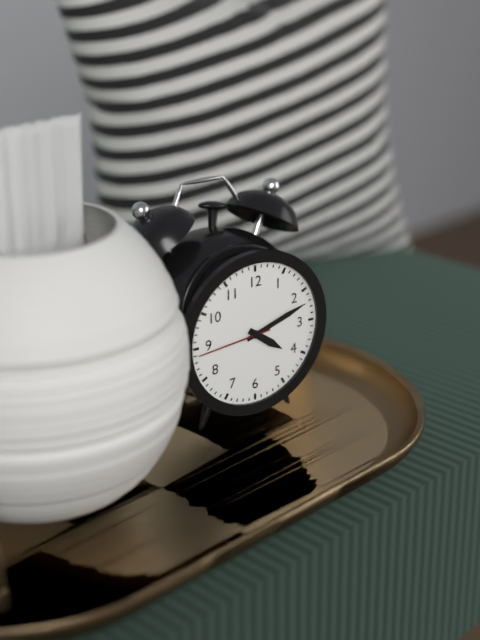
4:12:44
